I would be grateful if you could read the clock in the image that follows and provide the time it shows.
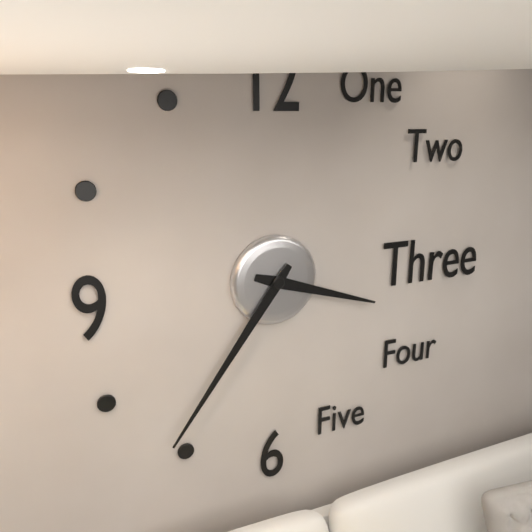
3:36
